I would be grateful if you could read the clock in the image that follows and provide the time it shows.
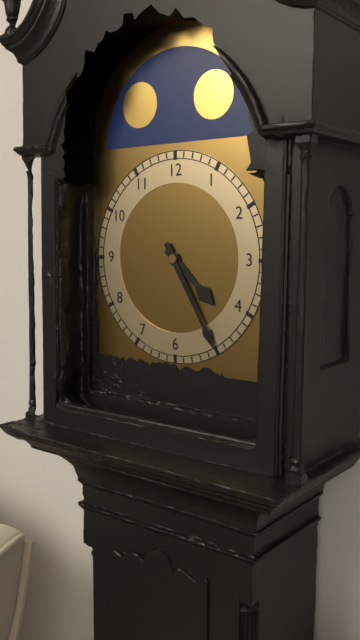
4:25
